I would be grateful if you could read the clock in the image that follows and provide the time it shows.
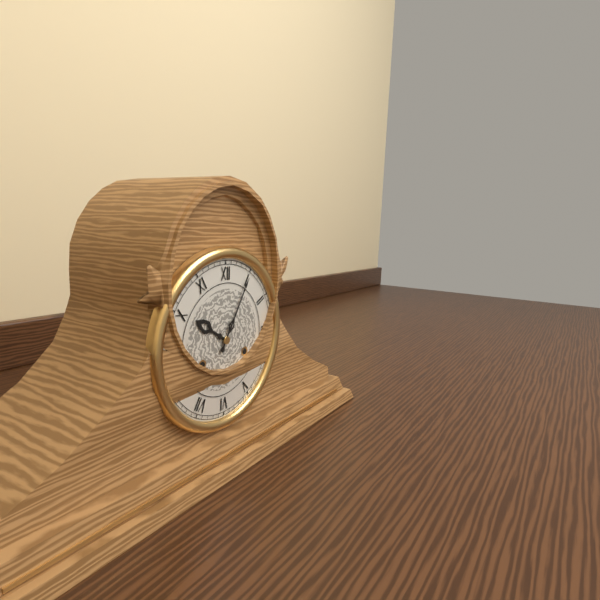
10:05
